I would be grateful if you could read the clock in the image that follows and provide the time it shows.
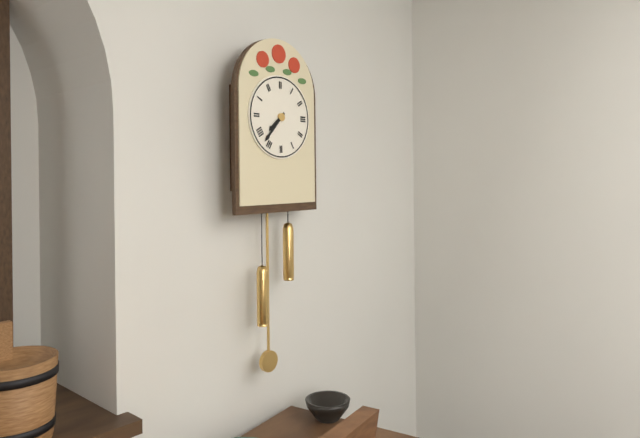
7:37
